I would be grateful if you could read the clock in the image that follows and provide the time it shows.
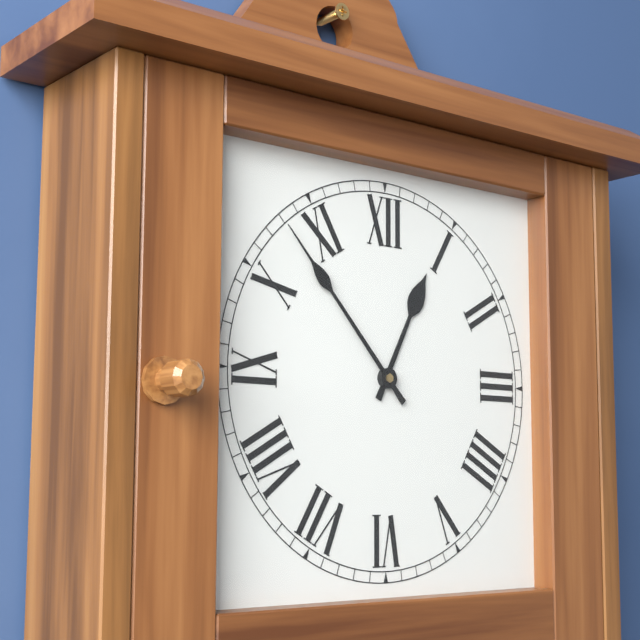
12:53
